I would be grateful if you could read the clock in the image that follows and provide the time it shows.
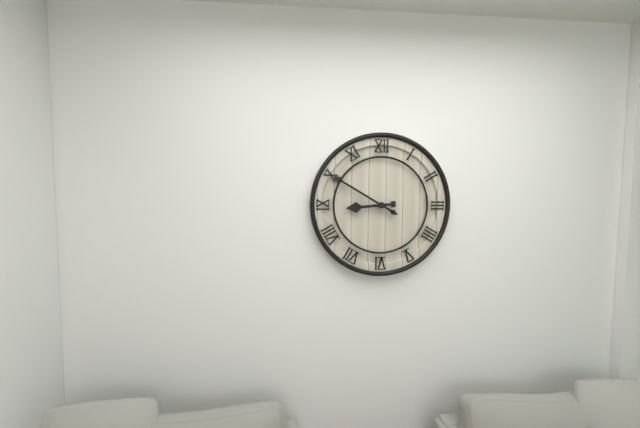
8:50
